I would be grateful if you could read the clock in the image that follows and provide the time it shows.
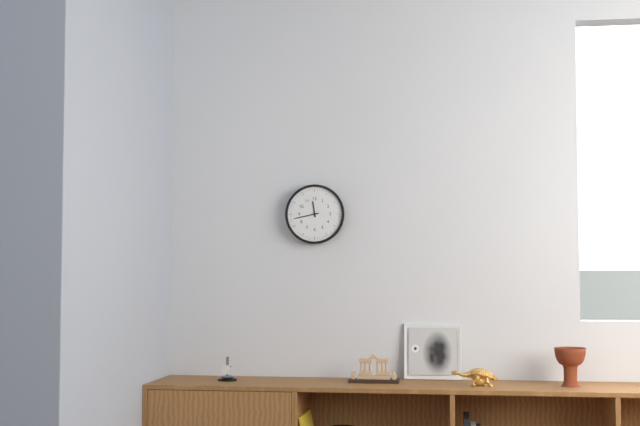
11:43
